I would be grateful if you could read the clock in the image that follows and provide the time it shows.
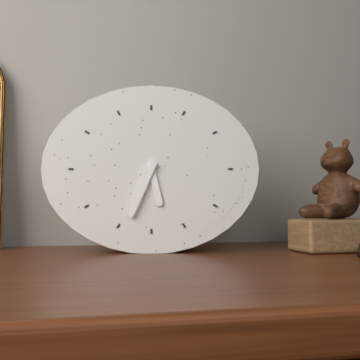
5:34
